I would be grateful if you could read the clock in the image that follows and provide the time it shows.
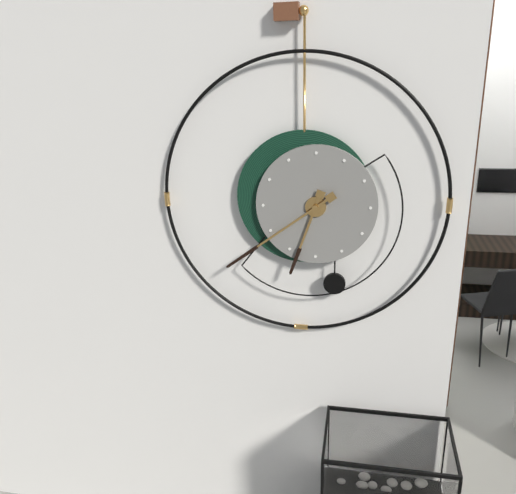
6:39
